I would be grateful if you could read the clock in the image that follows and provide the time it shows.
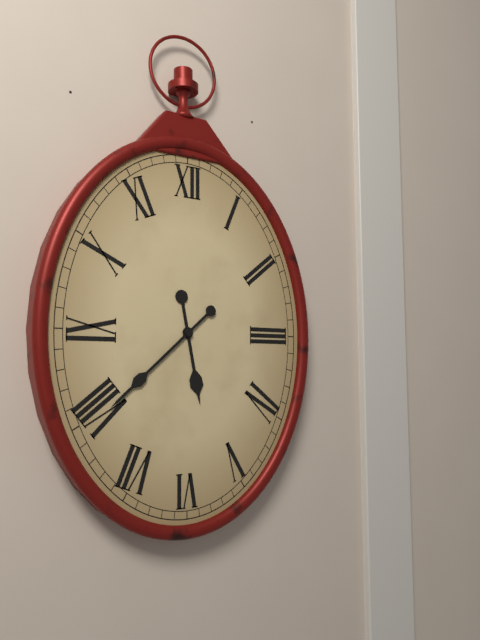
5:38
